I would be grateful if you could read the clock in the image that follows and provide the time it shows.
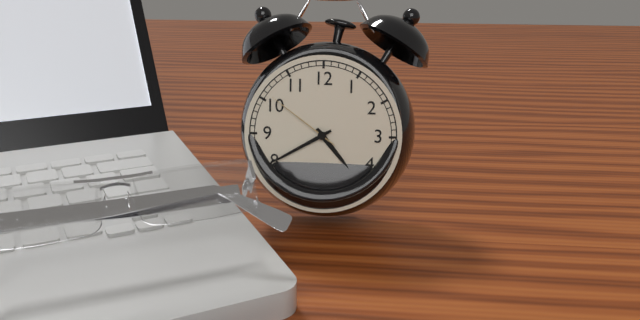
4:40:51
